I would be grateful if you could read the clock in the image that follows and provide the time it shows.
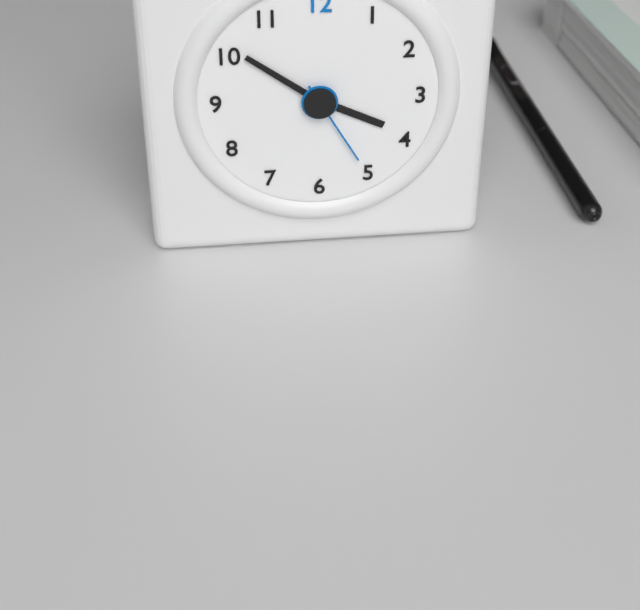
3:51:25
